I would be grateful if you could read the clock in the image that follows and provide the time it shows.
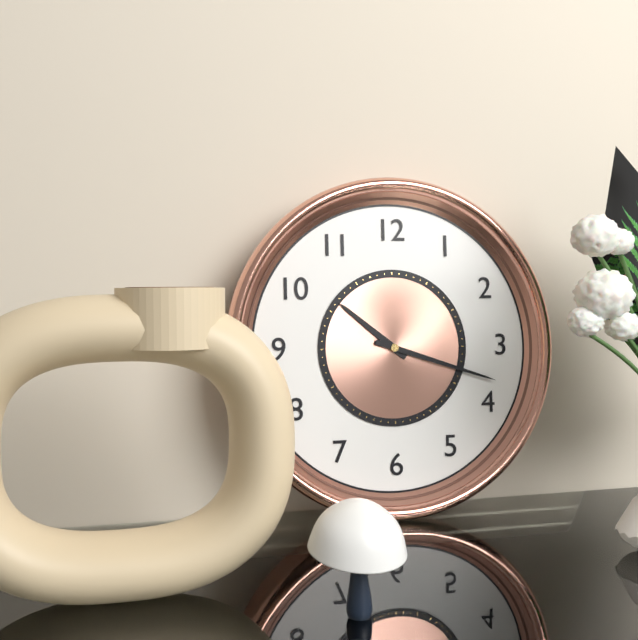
10:18
